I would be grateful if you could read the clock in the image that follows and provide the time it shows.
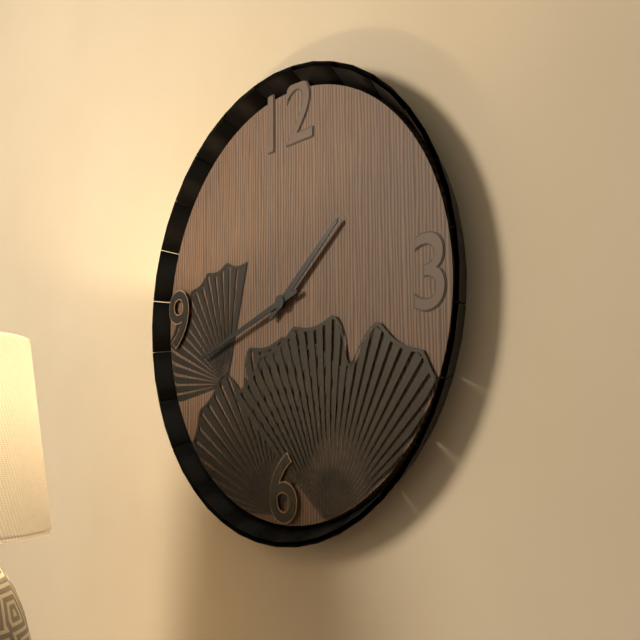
1:42
